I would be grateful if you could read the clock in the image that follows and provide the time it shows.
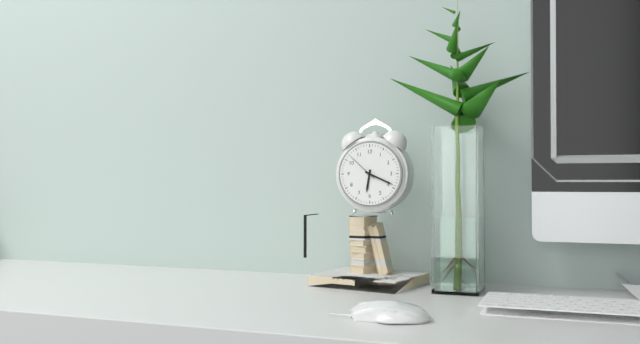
6:19
